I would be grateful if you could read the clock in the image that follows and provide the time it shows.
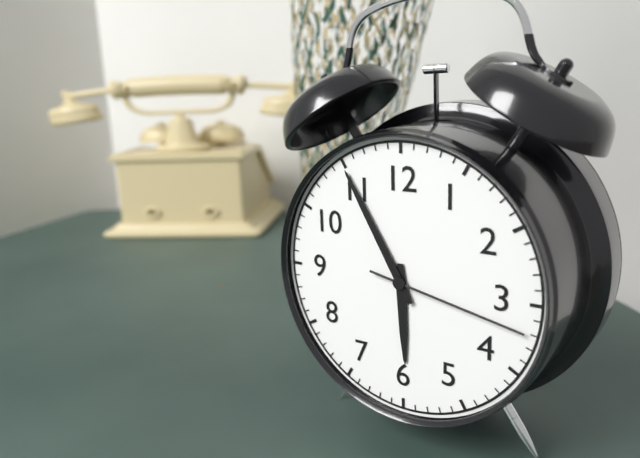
5:55:17
